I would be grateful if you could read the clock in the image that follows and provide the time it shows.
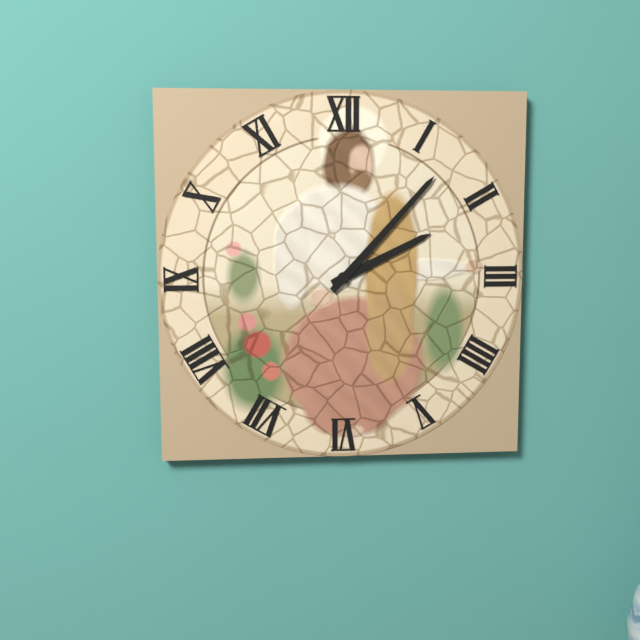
2:07
